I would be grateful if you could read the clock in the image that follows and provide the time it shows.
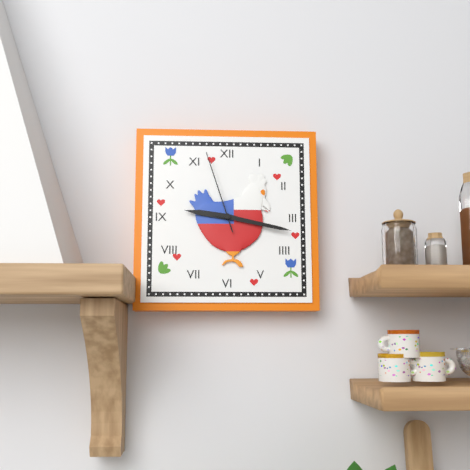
9:17:57
